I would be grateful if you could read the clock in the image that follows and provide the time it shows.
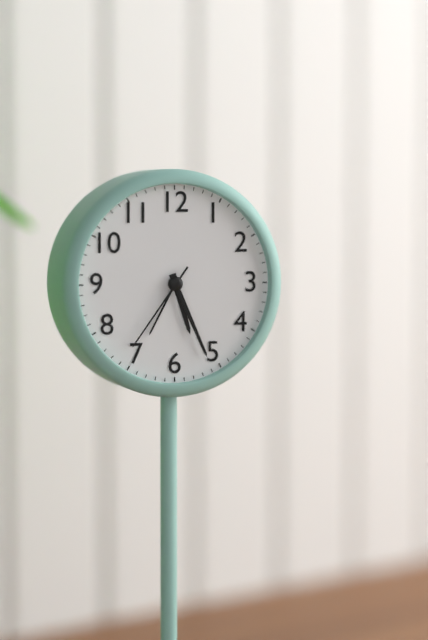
5:26:36
